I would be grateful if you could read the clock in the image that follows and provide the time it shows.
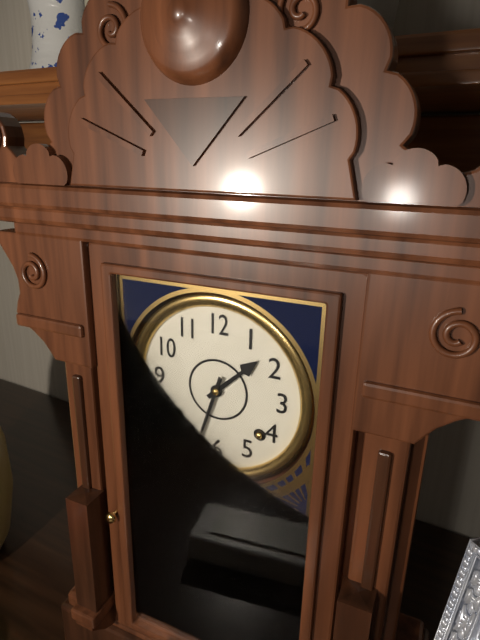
1:33
